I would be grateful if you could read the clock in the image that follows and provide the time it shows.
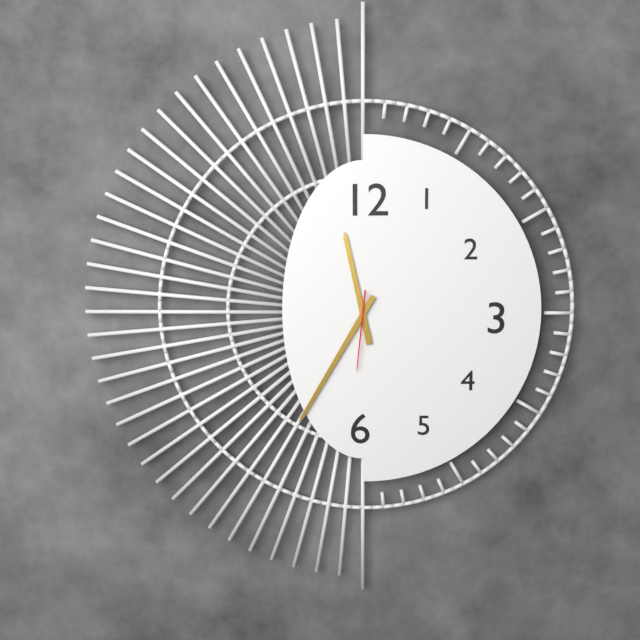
11:35:31
